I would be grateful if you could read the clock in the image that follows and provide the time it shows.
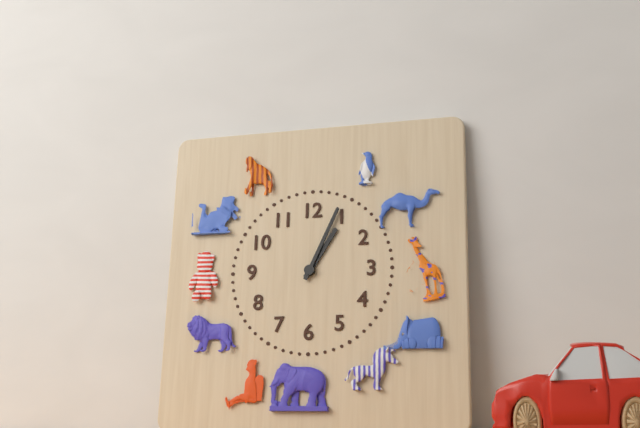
1:04
